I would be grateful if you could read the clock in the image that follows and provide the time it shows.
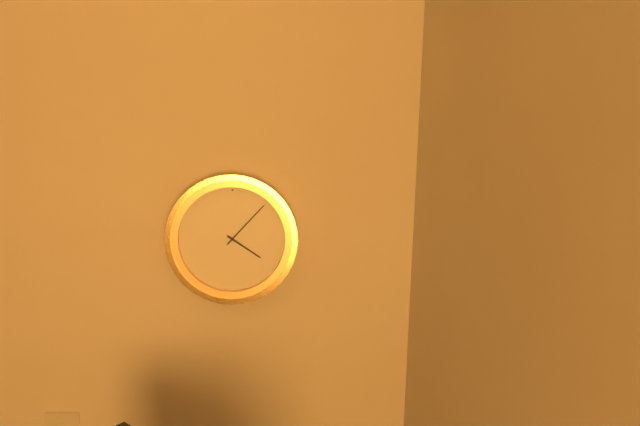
4:07
